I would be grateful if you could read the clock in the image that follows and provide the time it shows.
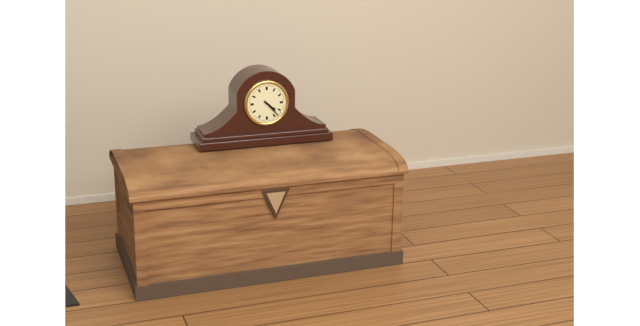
4:23
